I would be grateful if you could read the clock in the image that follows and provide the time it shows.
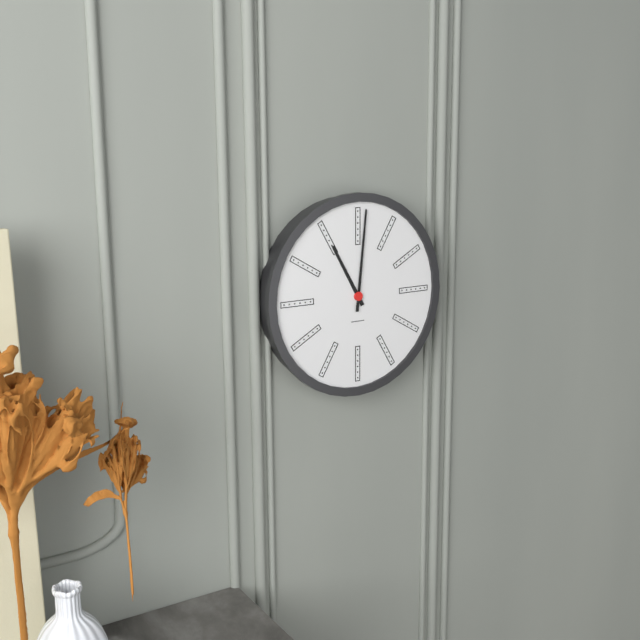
11:01
